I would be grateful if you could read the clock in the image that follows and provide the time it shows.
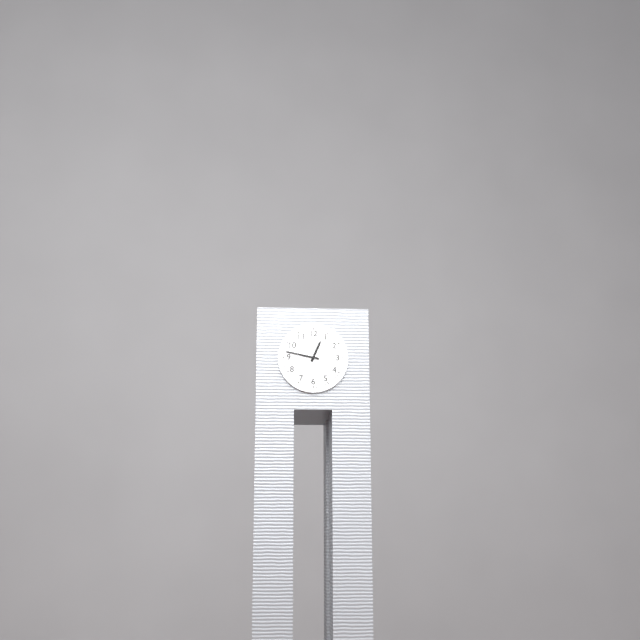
12:47
